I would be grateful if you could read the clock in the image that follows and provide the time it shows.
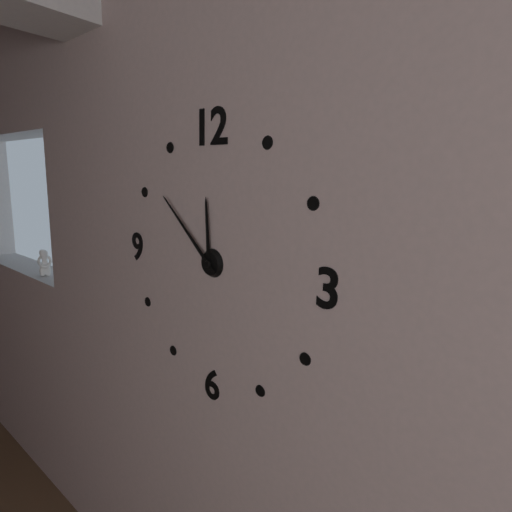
11:52
